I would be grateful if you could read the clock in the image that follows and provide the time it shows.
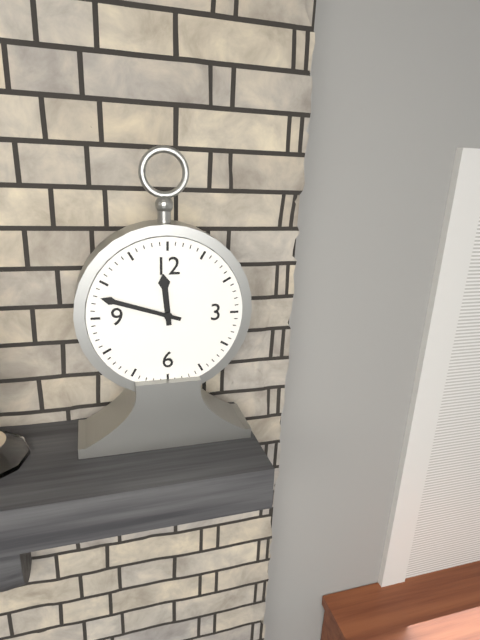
11:48
